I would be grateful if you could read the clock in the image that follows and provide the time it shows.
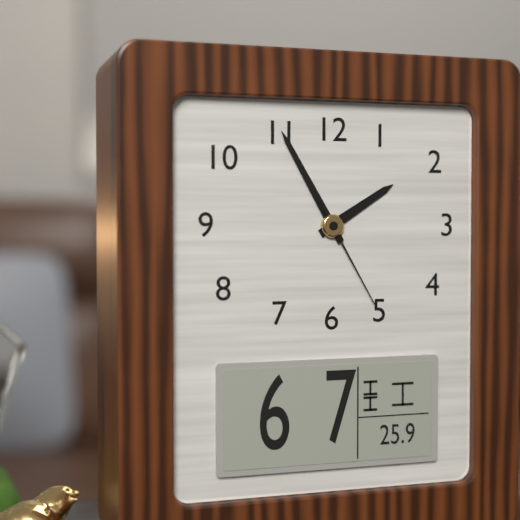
1:55:25
